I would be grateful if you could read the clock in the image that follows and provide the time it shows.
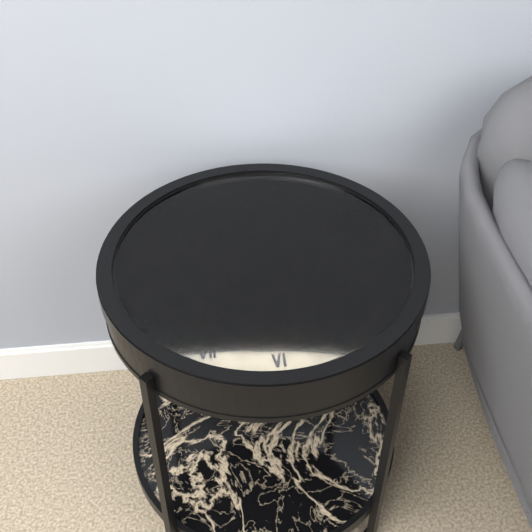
11:09
